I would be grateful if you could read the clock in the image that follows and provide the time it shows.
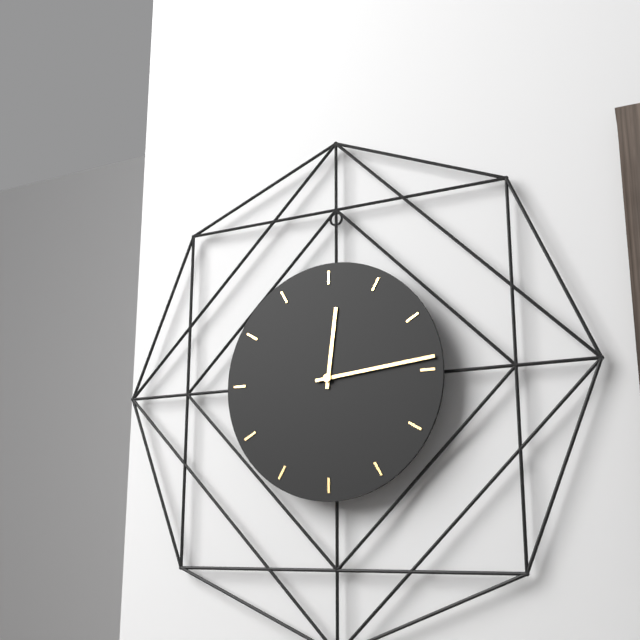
12:14
